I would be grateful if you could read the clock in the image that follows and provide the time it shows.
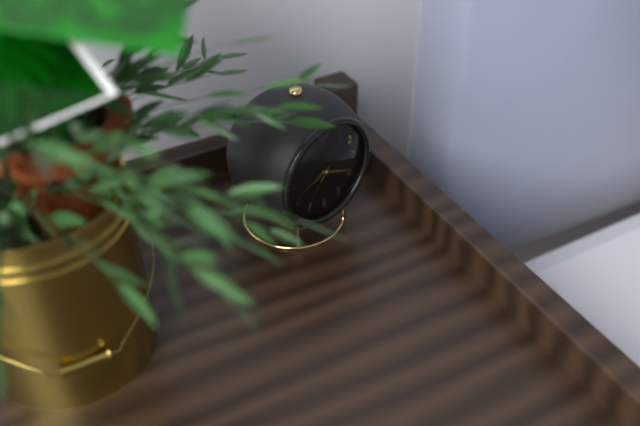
8:19
